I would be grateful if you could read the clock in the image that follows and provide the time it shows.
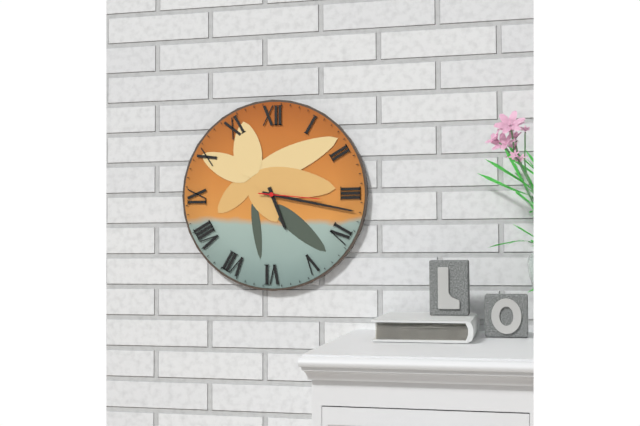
5:17:16
